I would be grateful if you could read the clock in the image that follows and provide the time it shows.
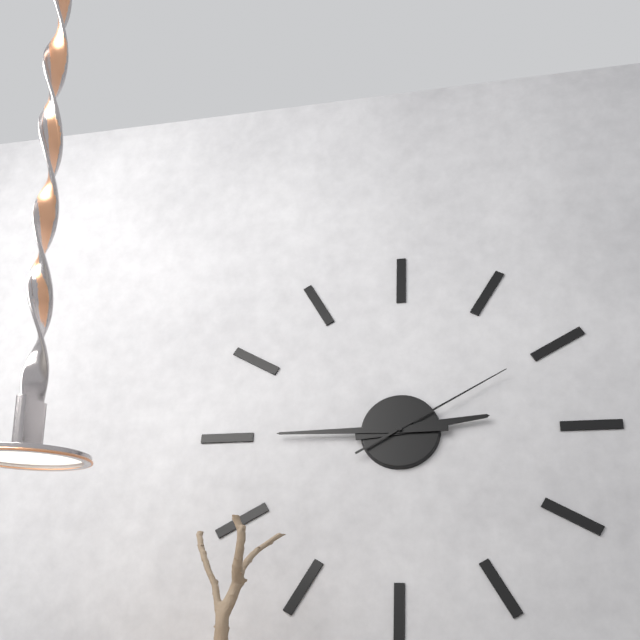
2:45:10
